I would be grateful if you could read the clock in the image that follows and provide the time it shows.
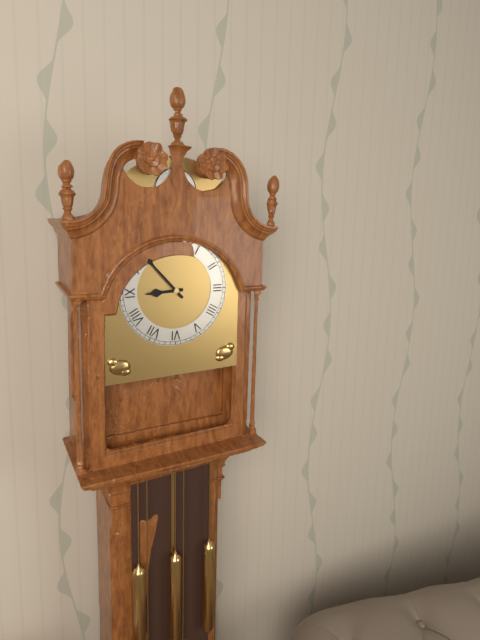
8:53
